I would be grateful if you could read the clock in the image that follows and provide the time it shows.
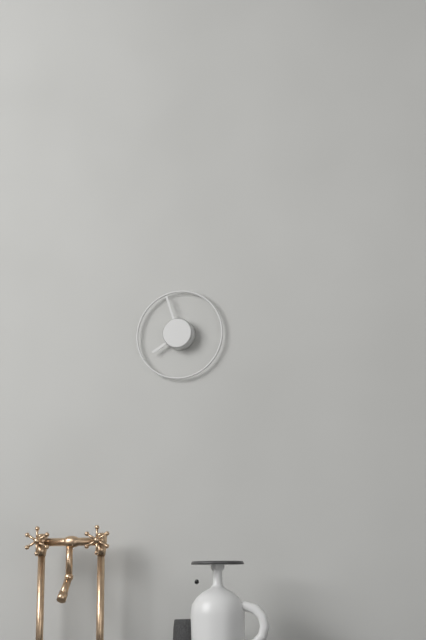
7:57
